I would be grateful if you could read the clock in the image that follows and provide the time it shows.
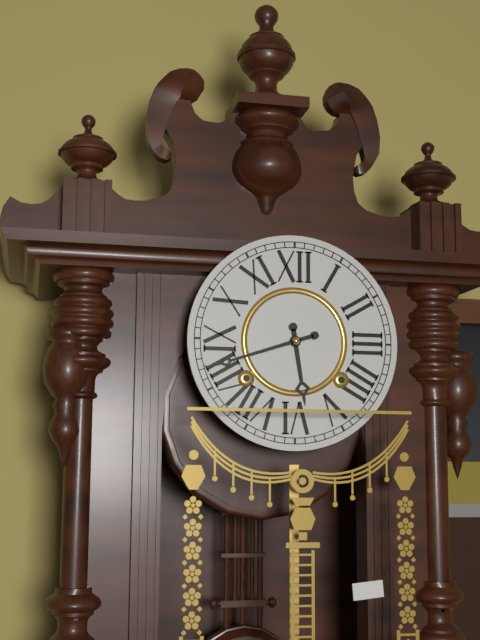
5:42
